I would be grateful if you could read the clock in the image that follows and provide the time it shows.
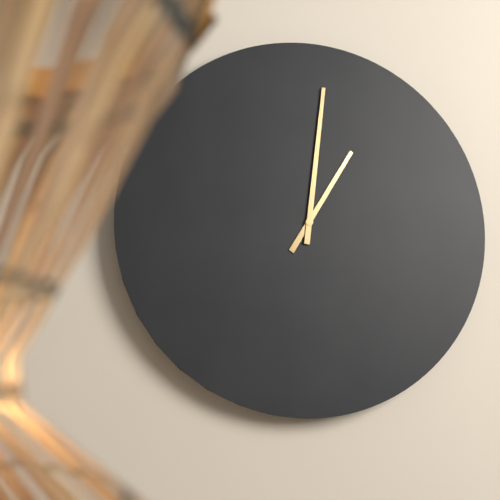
1:01
